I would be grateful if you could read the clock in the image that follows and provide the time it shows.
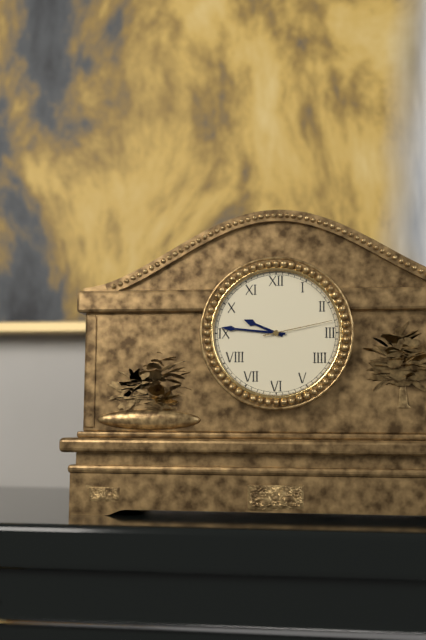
9:46:13
